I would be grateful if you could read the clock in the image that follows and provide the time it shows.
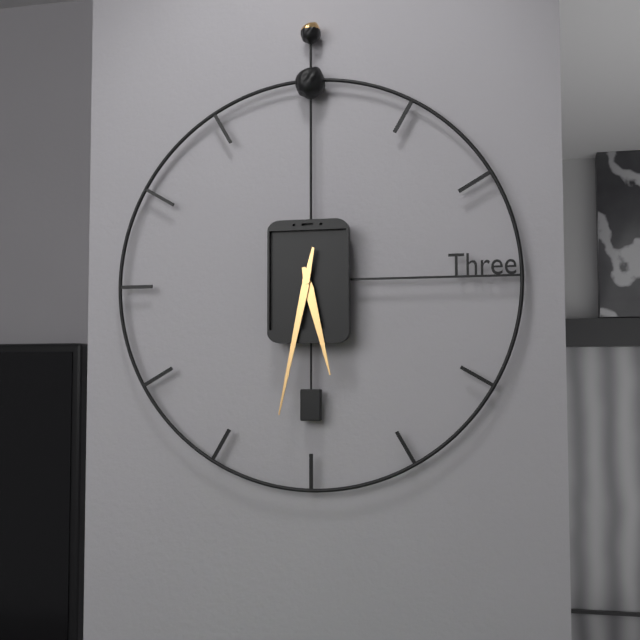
5:32
